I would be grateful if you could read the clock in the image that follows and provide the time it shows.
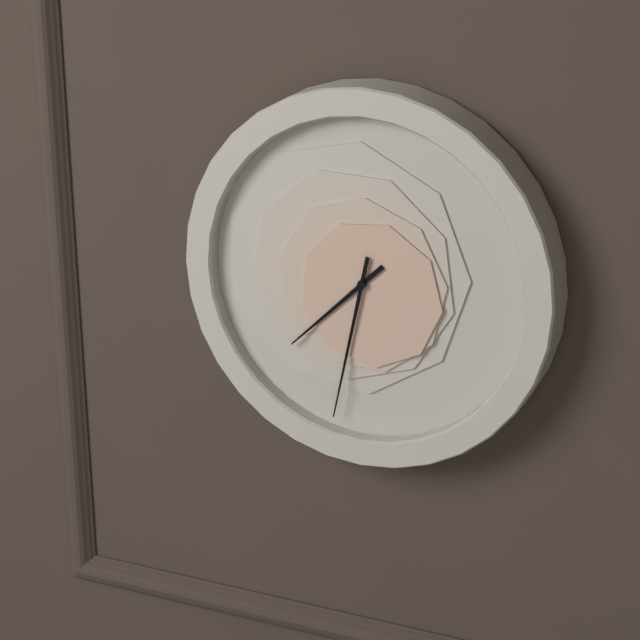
7:32
